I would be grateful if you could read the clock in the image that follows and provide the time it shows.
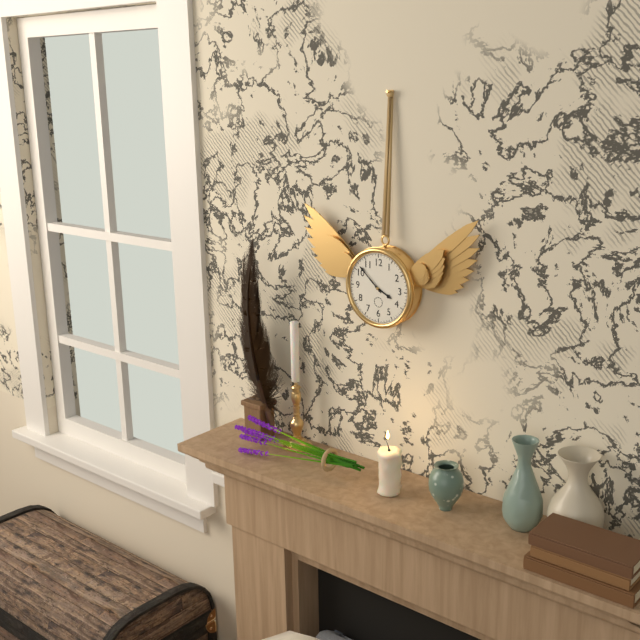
3:52
